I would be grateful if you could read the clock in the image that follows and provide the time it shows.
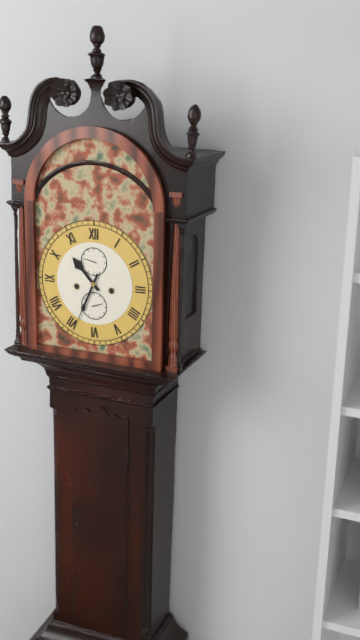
10:34
